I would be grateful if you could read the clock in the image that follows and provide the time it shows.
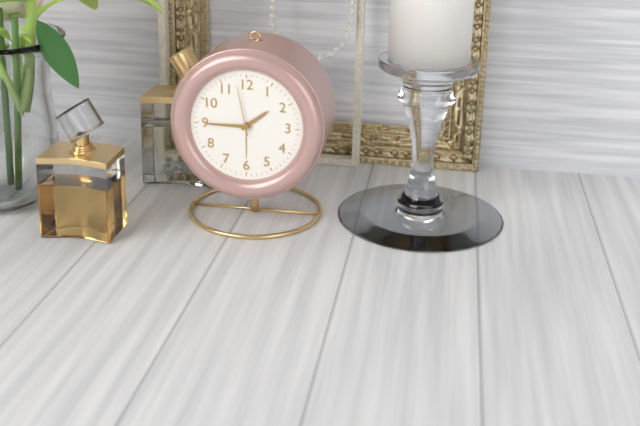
1:45
